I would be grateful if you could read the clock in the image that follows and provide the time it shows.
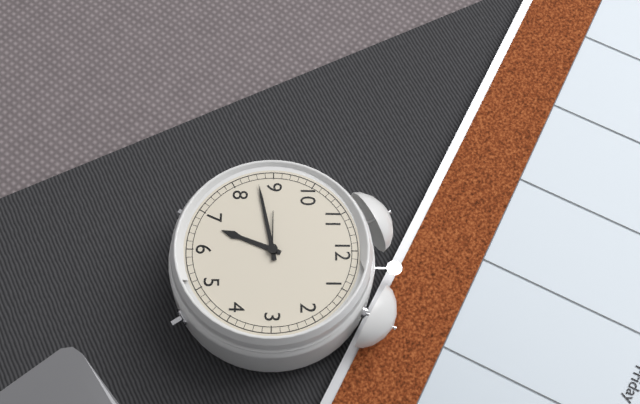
6:43
